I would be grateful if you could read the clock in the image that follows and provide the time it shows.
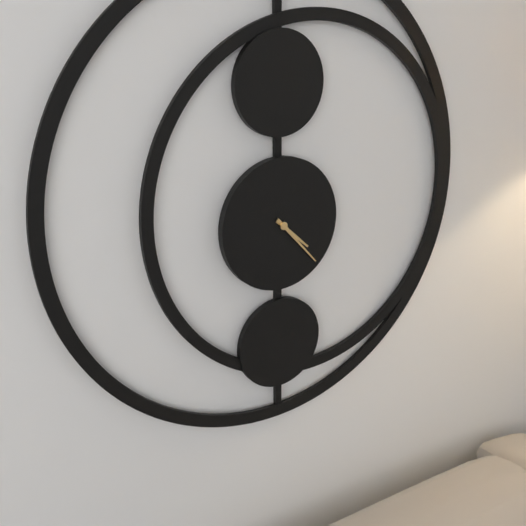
4:23
